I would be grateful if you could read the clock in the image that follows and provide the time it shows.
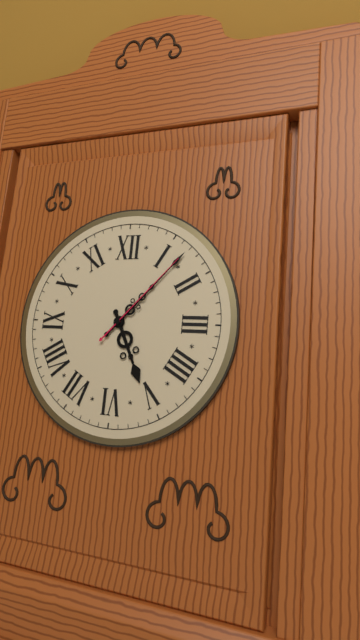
5:07:07
